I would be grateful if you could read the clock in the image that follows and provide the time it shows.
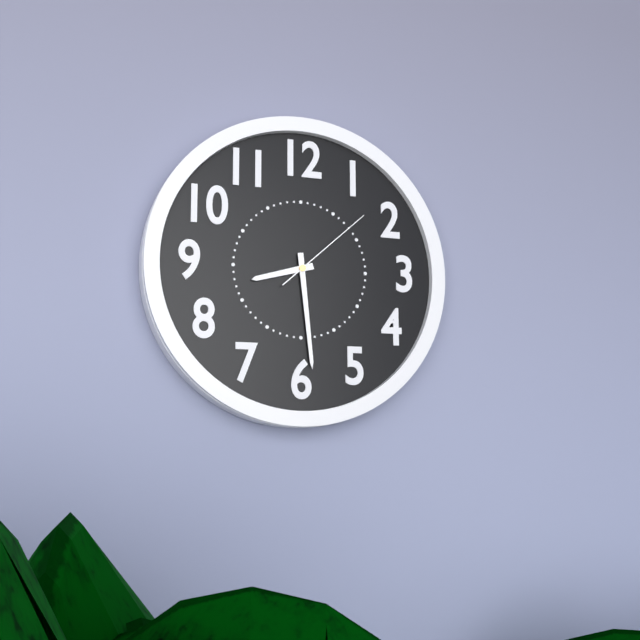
8:29:08
